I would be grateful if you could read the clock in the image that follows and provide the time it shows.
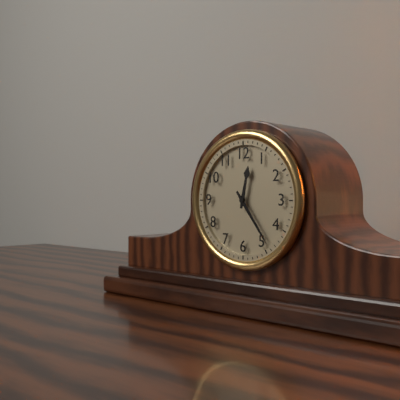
12:24
